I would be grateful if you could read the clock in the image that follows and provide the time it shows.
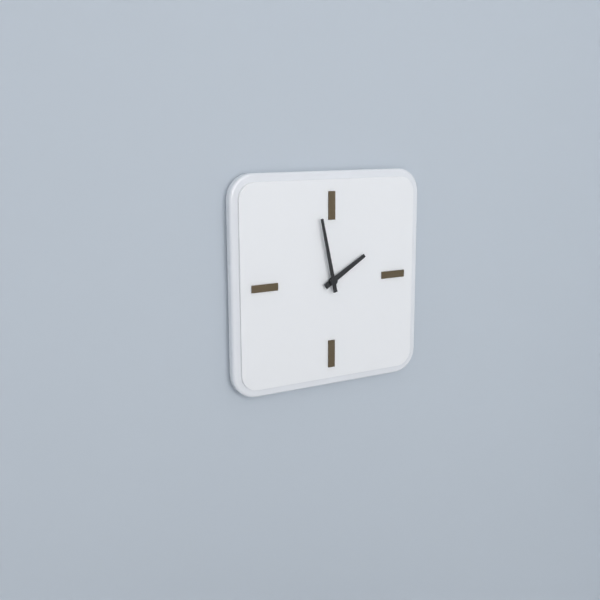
1:58
